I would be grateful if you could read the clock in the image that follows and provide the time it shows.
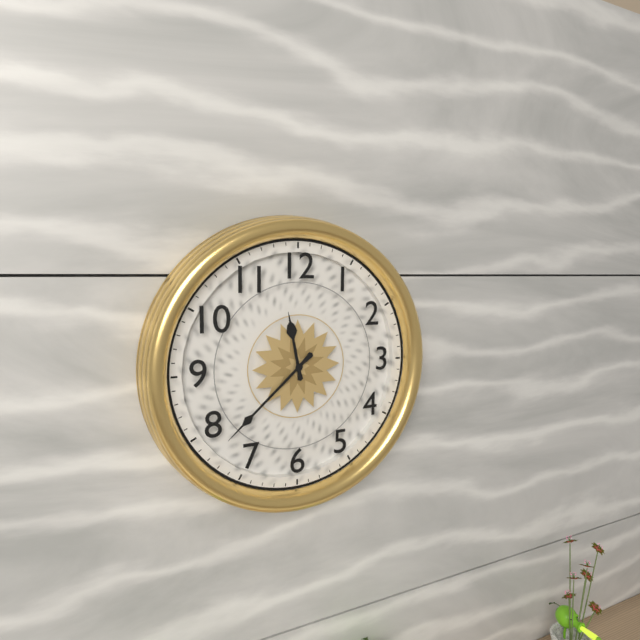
11:38
